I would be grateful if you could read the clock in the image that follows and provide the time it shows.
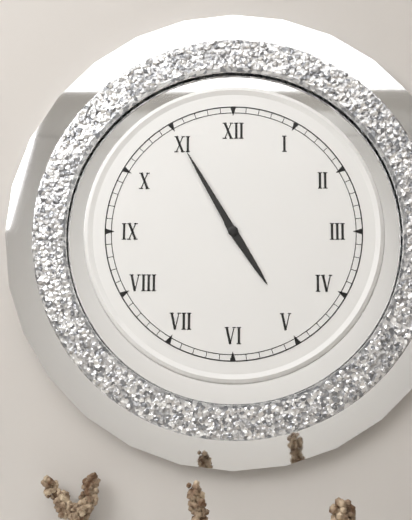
4:55
